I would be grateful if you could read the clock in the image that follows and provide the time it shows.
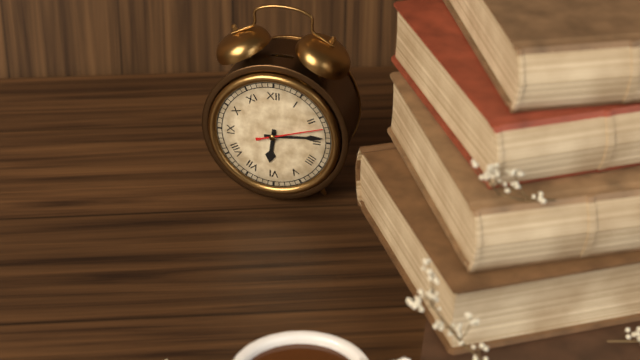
6:14:12
